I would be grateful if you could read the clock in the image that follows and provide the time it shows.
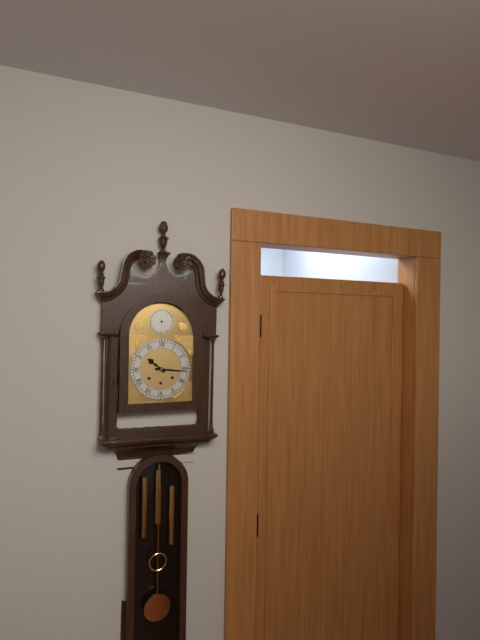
10:16
